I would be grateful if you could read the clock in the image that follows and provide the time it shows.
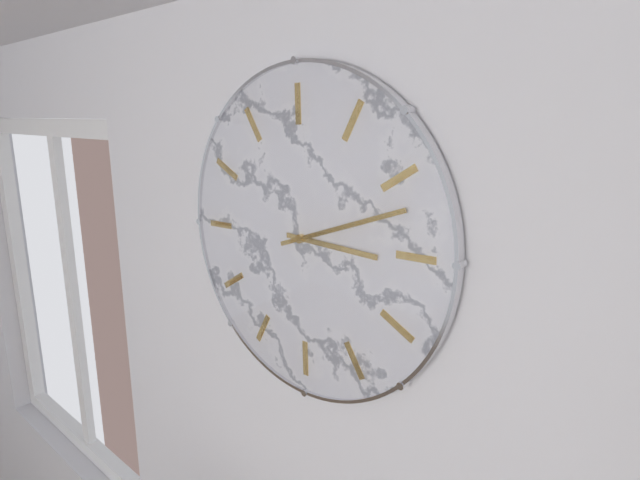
2:07
